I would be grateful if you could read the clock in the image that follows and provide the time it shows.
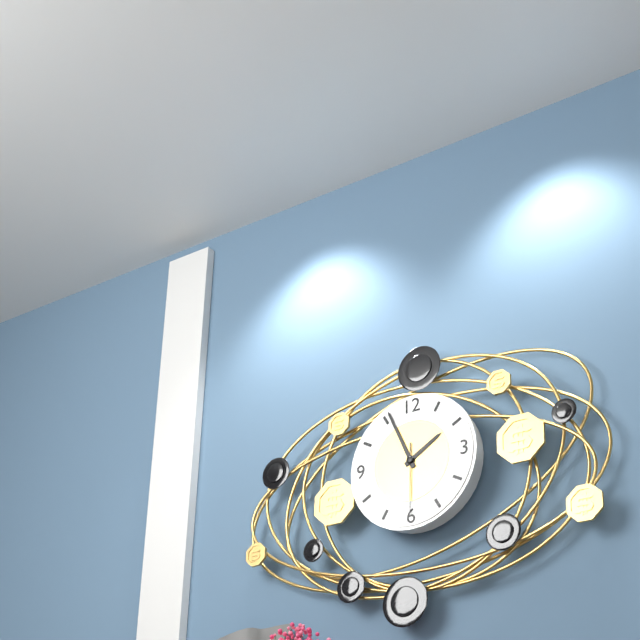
1:56:30
